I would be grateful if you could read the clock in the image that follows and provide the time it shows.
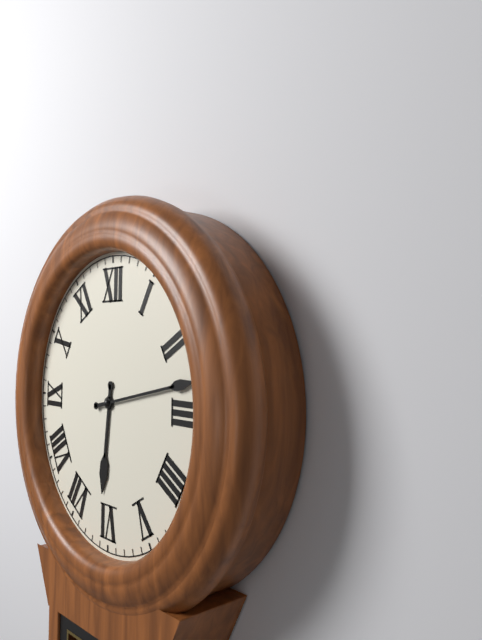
6:13
